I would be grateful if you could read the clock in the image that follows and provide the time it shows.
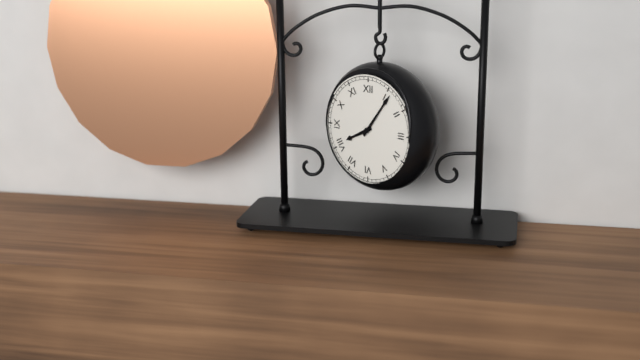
8:06
